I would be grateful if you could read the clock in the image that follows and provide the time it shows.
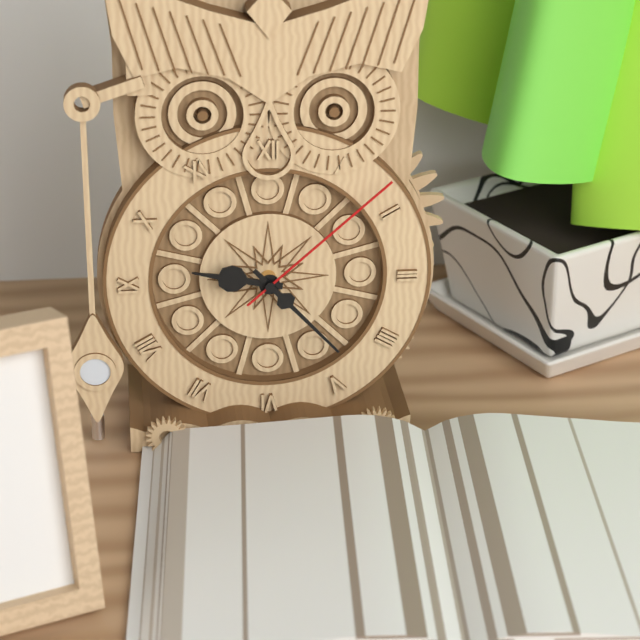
9:23:08
